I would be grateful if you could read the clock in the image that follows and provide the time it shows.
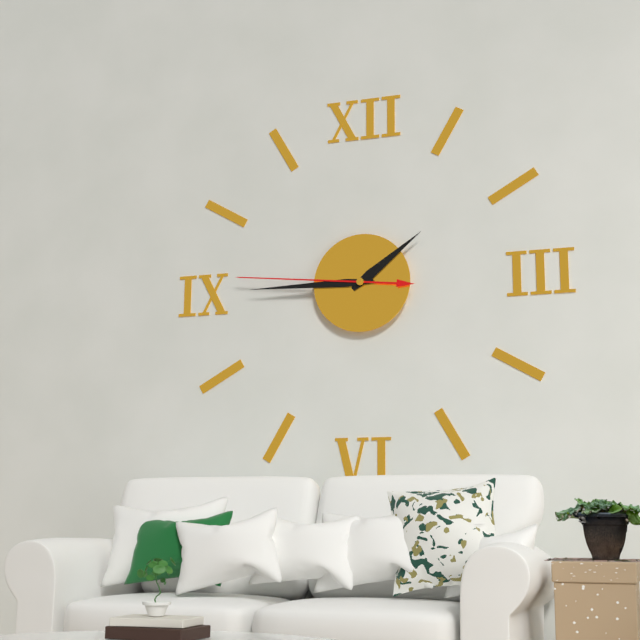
1:45:46
